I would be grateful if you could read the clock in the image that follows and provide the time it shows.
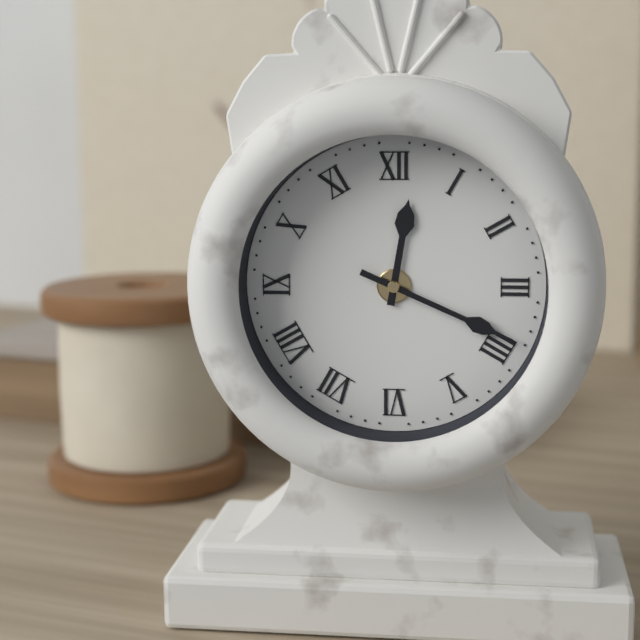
12:19
